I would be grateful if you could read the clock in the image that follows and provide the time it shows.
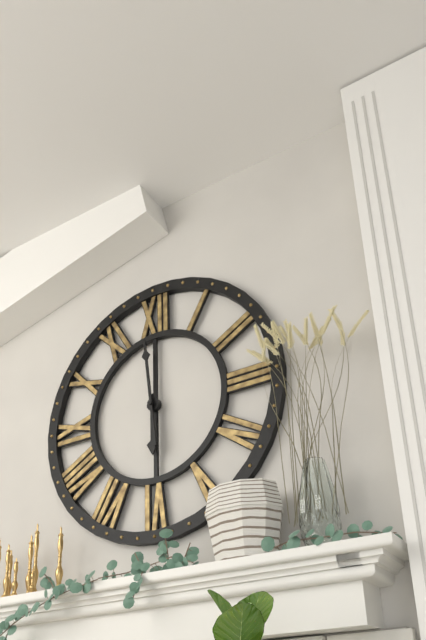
5:59
